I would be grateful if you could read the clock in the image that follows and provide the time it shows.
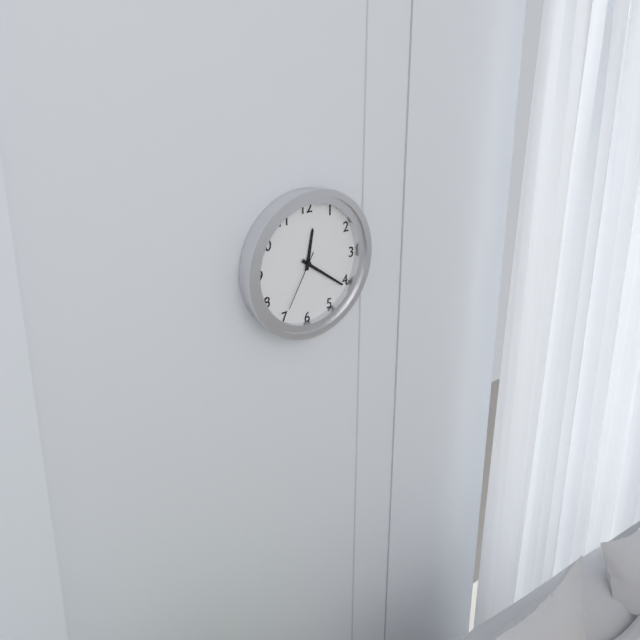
12:21:35
